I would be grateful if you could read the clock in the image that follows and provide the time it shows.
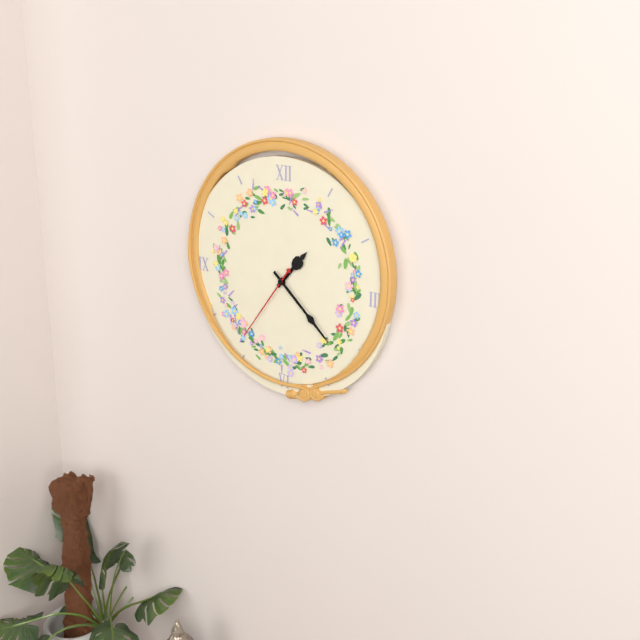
1:22:36
